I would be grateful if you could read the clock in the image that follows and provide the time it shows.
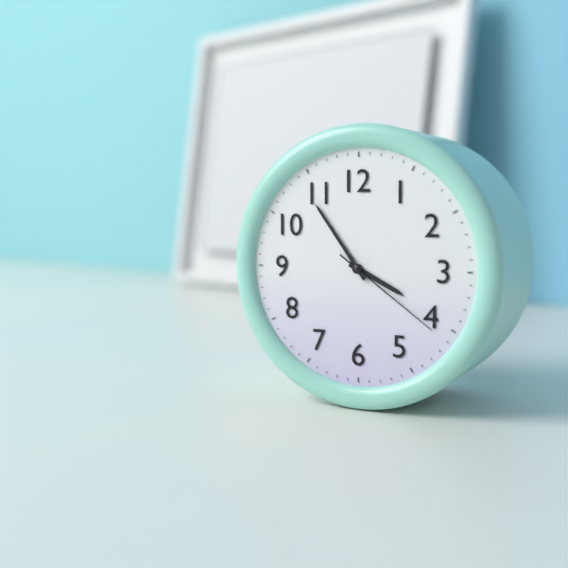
3:54:21
